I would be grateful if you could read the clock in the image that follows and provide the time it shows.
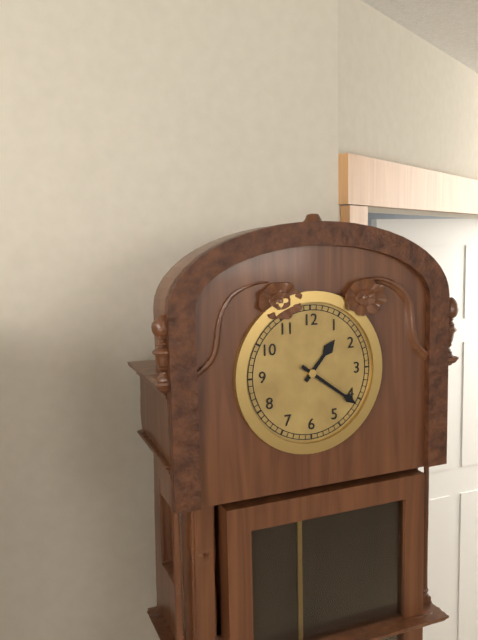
1:21
